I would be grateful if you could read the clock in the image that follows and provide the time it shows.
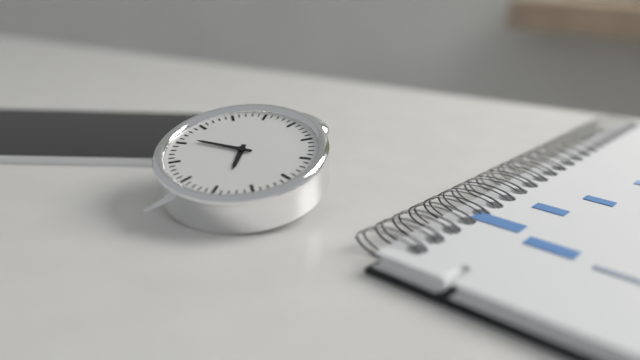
5:46
